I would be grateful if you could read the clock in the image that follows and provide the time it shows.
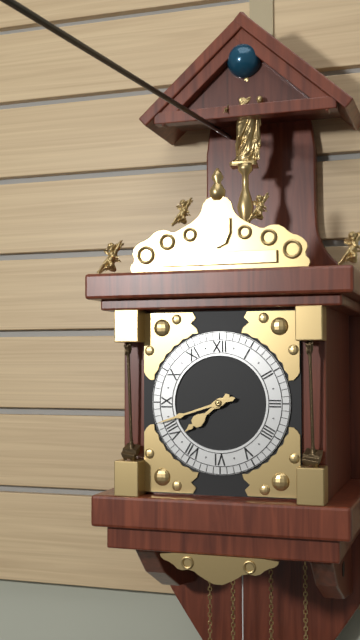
7:42
